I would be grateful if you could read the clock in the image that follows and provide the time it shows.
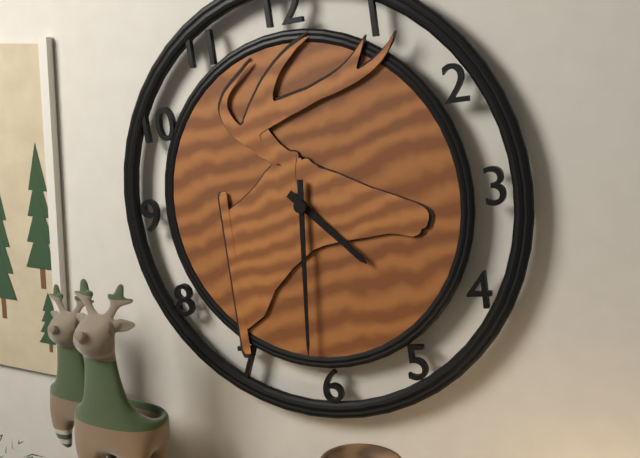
4:31
